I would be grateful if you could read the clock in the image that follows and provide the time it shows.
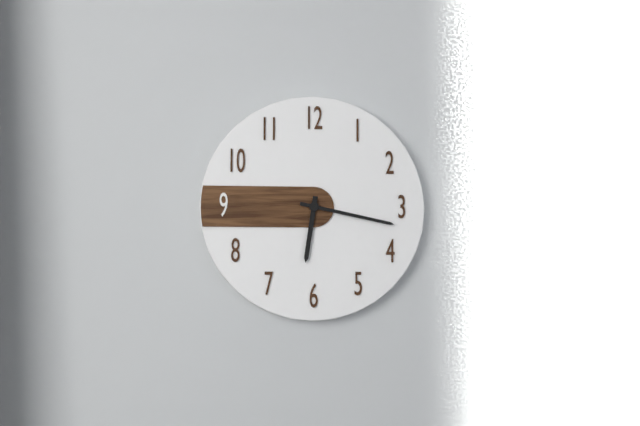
6:17
